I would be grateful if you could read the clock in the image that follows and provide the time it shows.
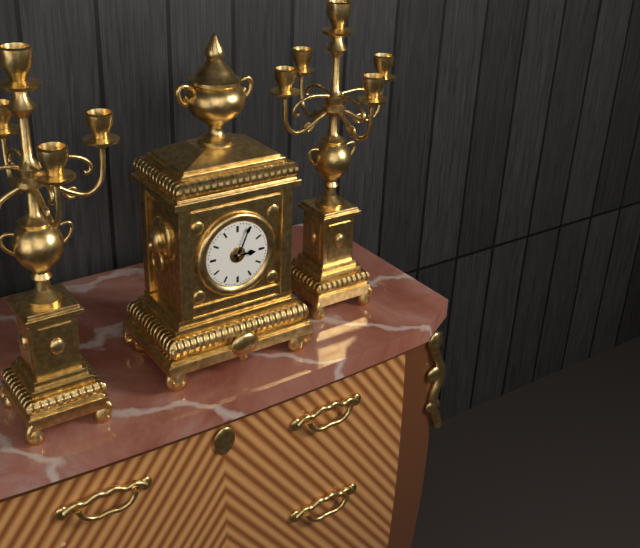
3:04
